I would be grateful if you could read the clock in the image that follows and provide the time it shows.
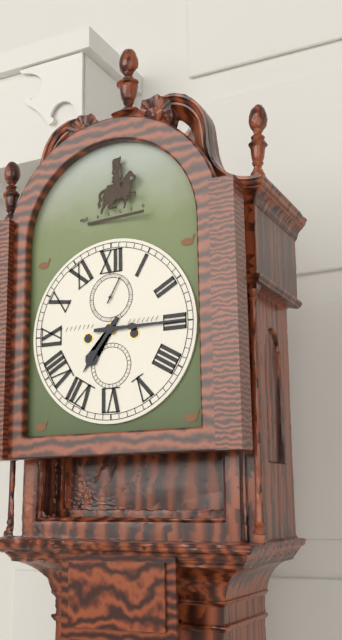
7:15
